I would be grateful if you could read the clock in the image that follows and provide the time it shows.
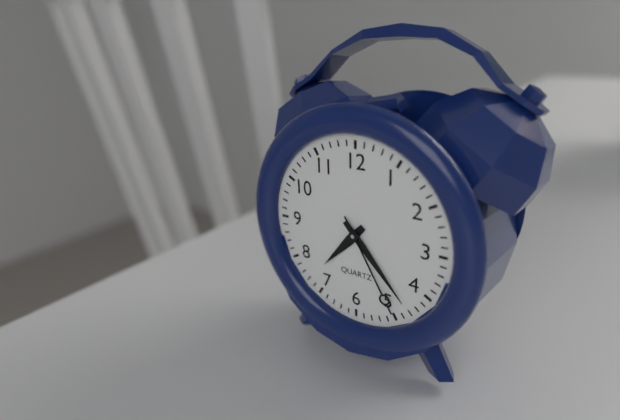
7:23:25
